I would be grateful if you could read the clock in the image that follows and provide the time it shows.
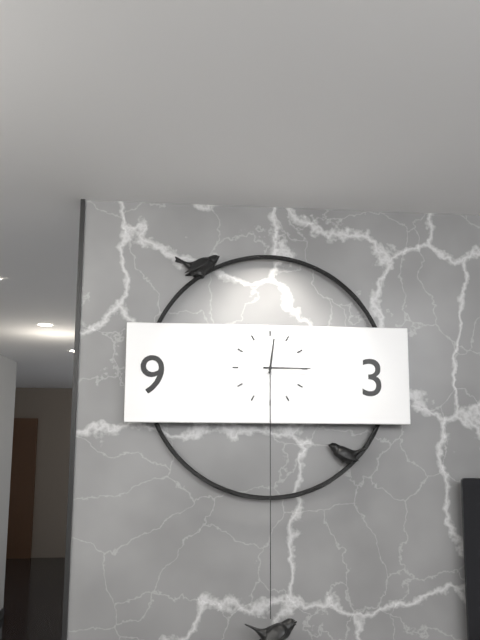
12:15
